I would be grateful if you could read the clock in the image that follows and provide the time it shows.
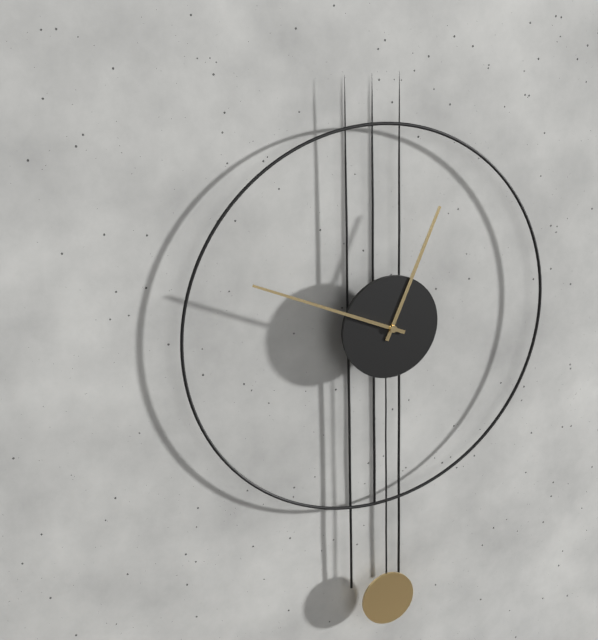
12:49
